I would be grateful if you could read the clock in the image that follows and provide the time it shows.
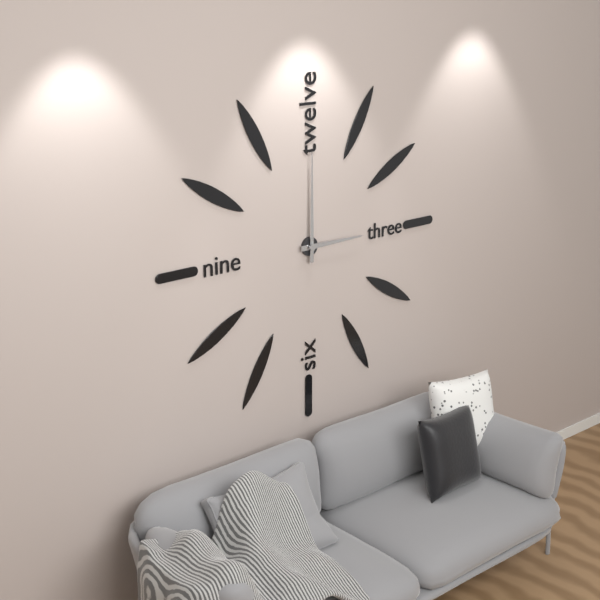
3:00
